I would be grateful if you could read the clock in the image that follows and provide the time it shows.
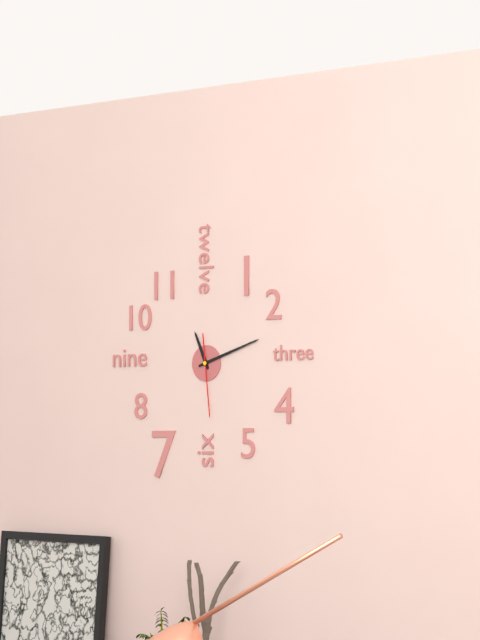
11:12:29
